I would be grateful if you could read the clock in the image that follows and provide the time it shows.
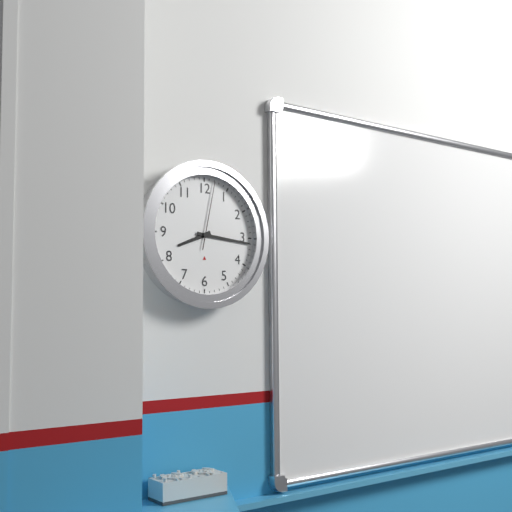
8:16:02
